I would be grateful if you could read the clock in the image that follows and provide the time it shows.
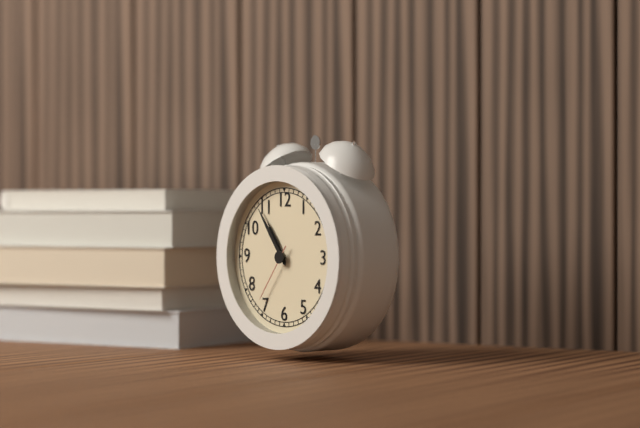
10:54:36
